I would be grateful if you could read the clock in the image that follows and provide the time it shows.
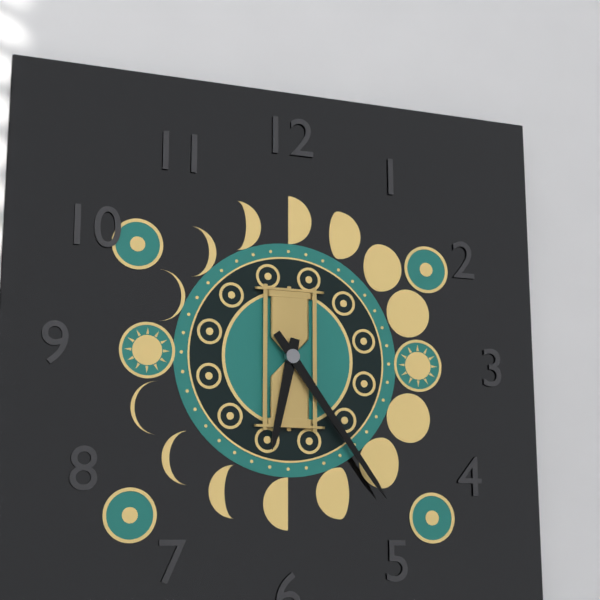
6:24
